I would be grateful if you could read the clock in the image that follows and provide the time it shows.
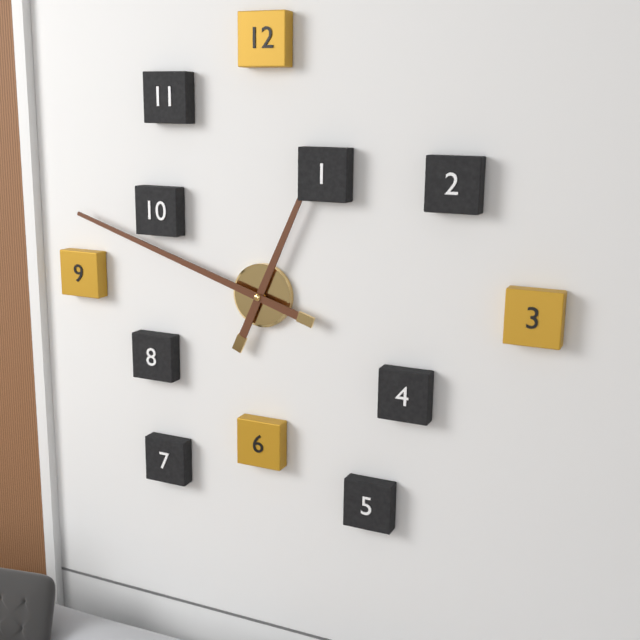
12:48
